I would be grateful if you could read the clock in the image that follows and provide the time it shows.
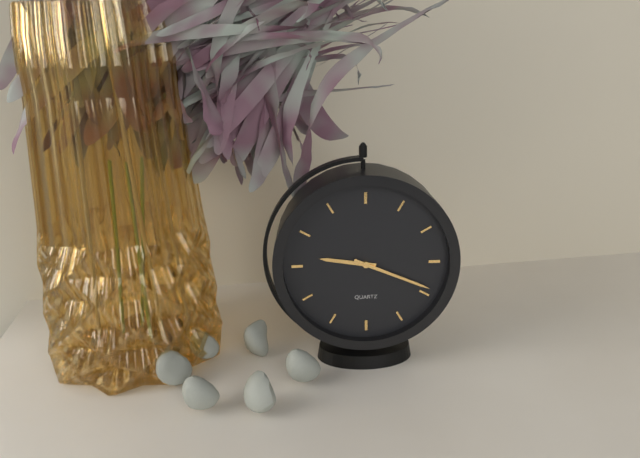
9:19
